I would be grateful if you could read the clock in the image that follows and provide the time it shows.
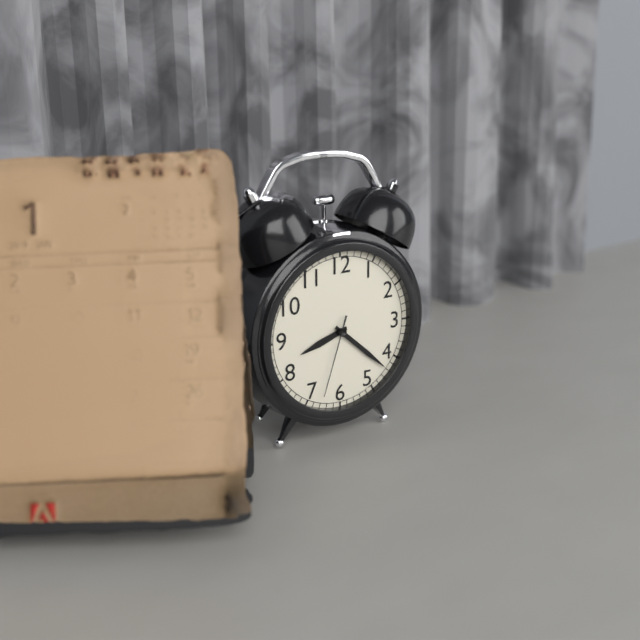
8:22:33
